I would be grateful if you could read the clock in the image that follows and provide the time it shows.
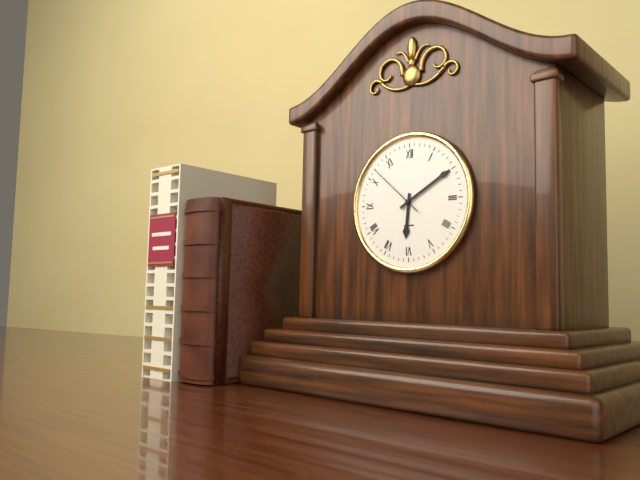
6:10:52
